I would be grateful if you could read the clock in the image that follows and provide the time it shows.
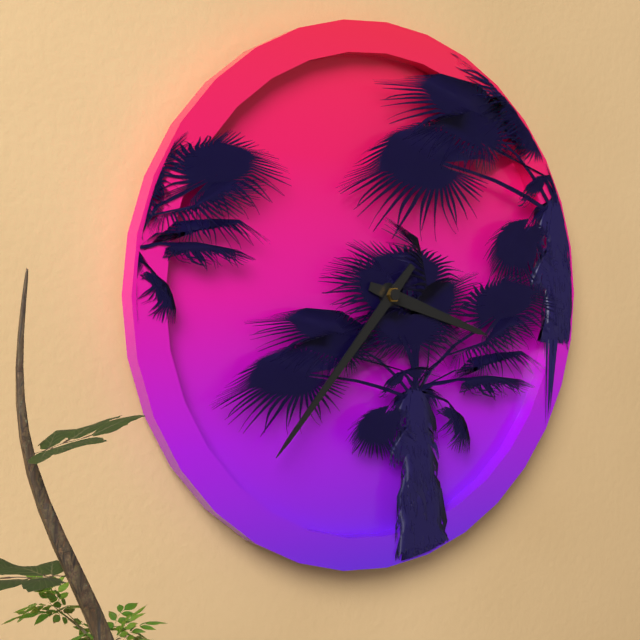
3:37
